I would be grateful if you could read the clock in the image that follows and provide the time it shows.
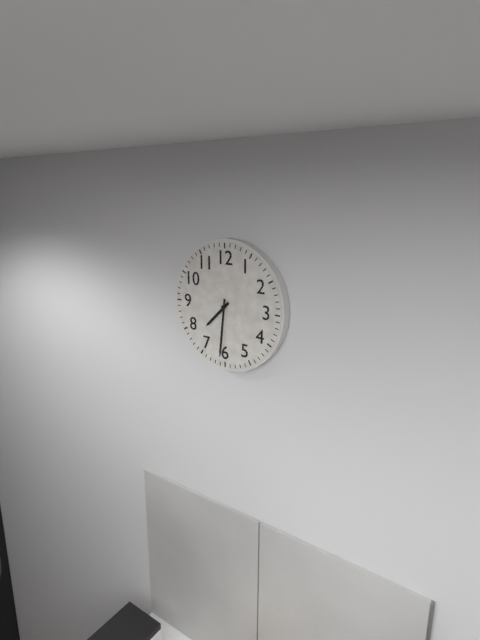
7:31
